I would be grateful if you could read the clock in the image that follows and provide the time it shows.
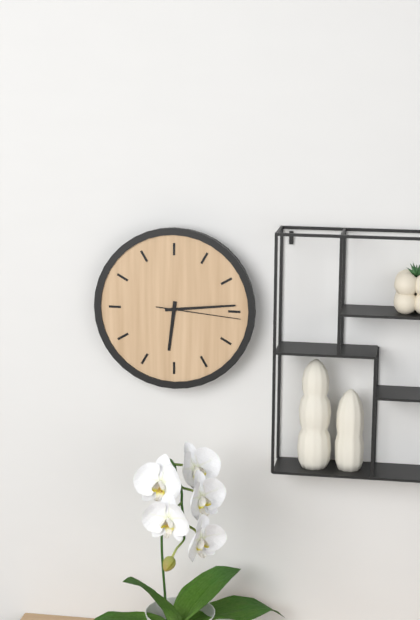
6:14:16
